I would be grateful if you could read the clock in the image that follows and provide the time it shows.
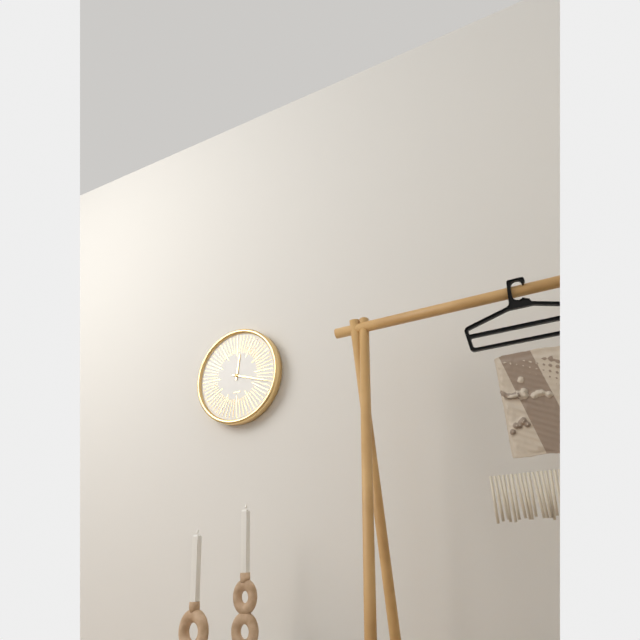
12:18
